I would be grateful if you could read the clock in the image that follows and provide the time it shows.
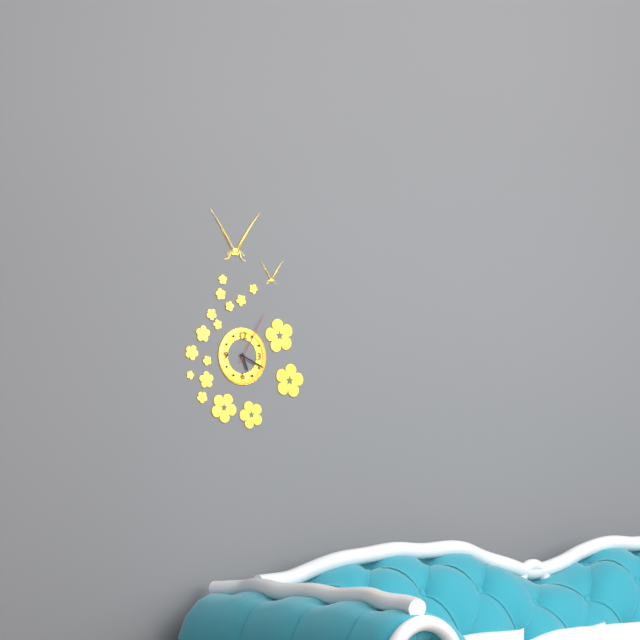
5:19:05
